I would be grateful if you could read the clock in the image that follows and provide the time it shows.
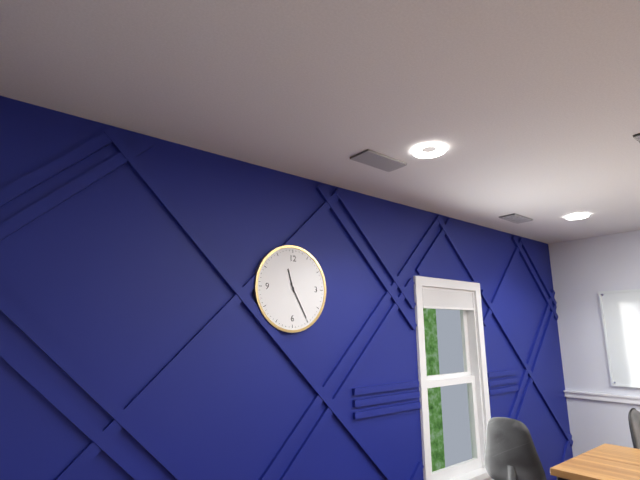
11:25
